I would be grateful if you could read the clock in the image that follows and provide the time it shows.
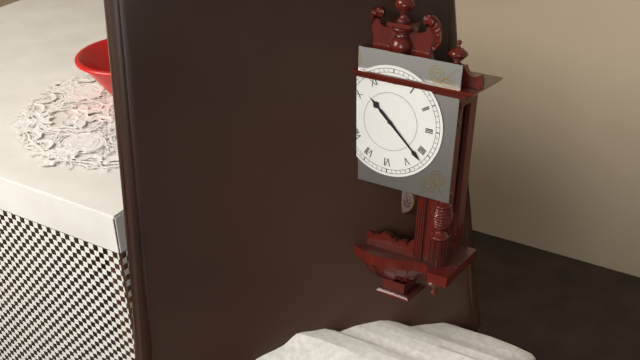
10:22
